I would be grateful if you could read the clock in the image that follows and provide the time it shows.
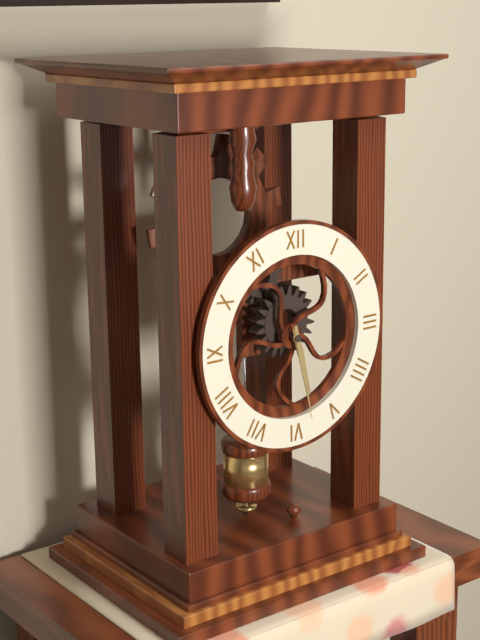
5:28
